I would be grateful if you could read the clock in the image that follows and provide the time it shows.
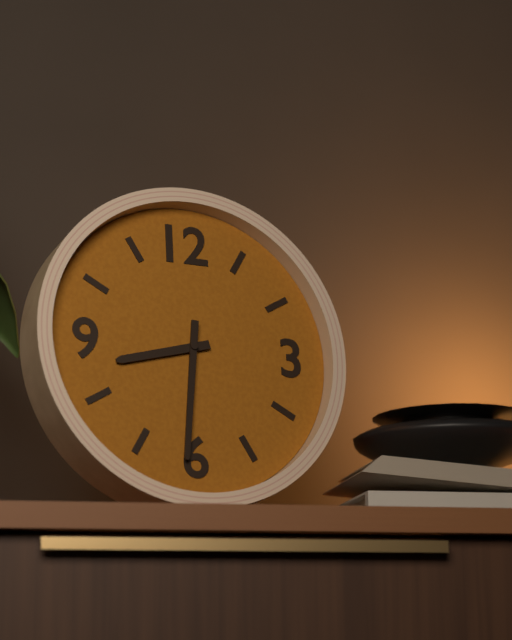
8:31
